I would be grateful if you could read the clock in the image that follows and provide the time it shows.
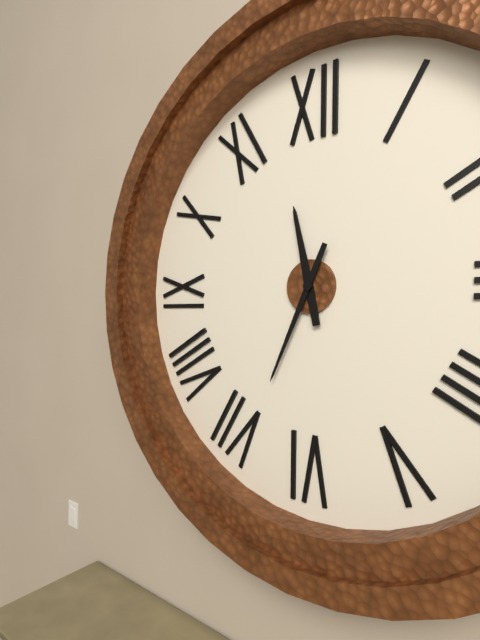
11:34
